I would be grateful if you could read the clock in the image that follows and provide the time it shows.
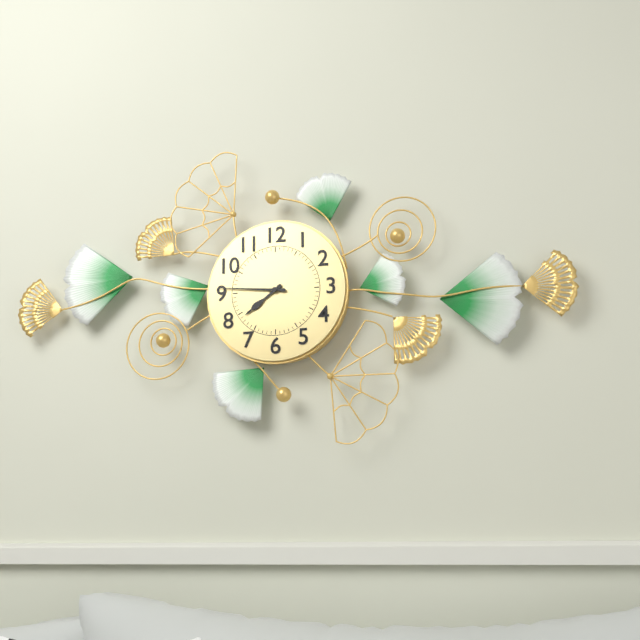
7:46
